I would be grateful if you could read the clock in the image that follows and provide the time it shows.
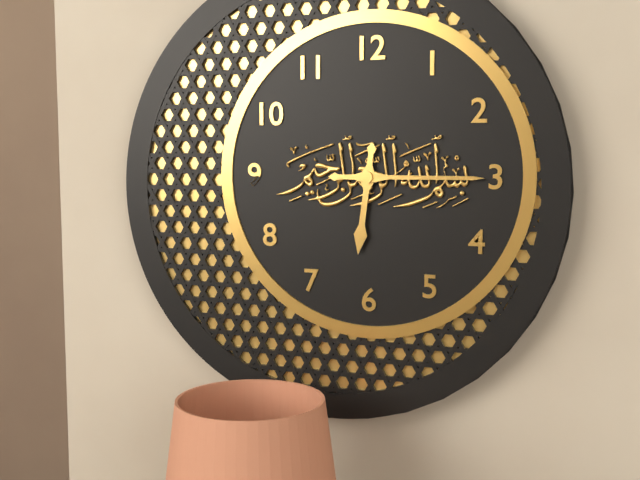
6:15
